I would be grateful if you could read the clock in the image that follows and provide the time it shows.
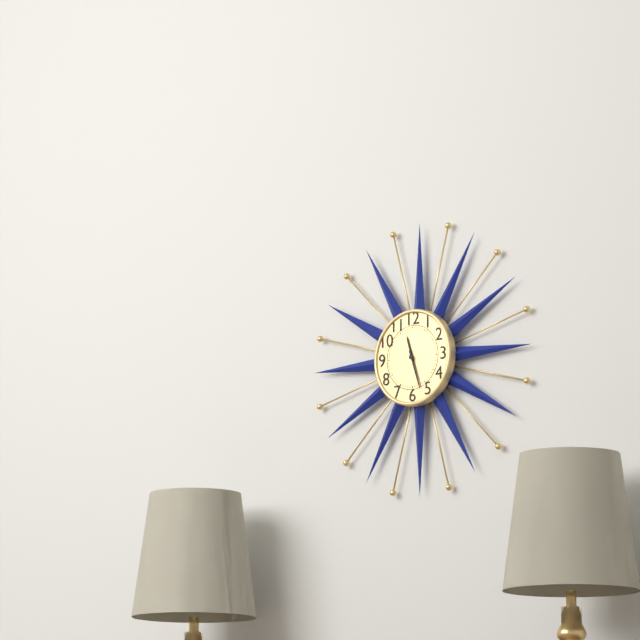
11:27
